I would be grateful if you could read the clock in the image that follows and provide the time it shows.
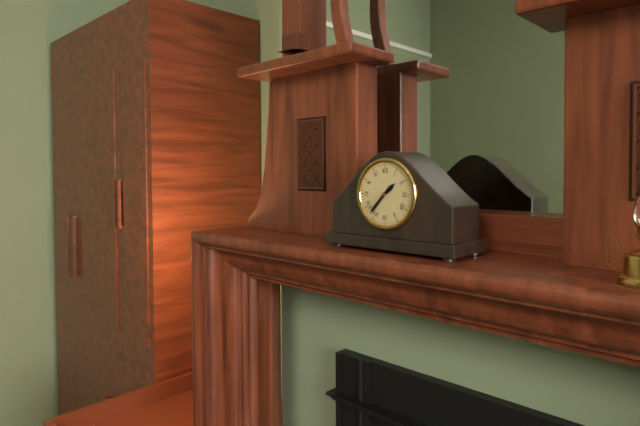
1:37
